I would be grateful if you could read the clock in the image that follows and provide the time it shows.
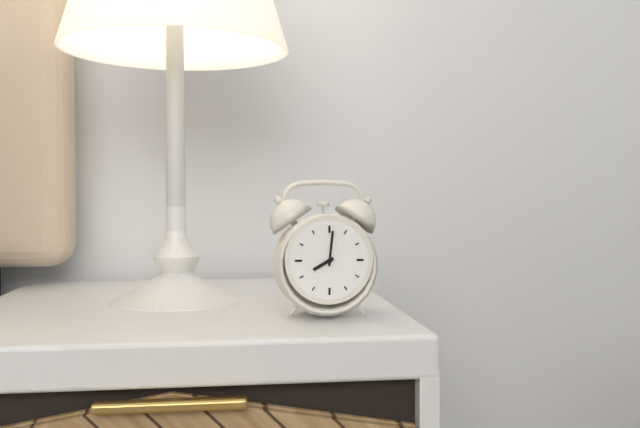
8:01
